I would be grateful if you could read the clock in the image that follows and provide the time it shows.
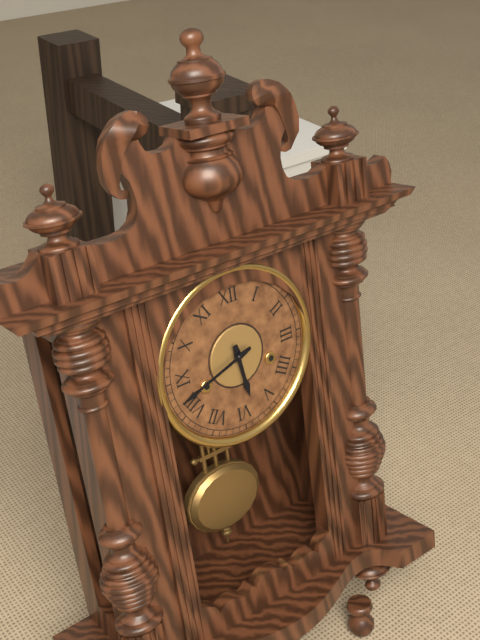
5:42
